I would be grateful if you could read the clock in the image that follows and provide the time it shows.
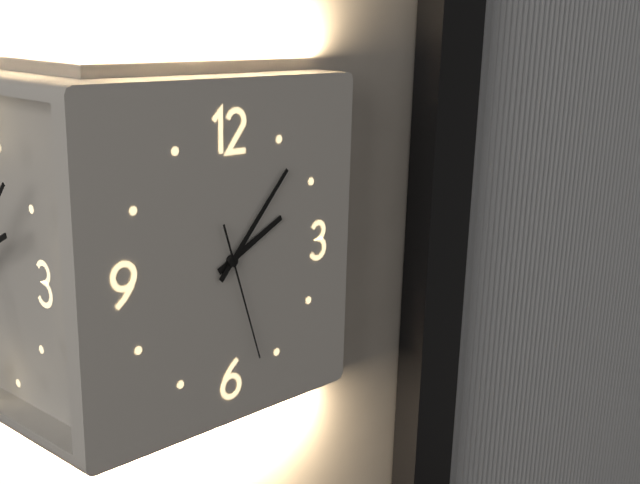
2:07:27
